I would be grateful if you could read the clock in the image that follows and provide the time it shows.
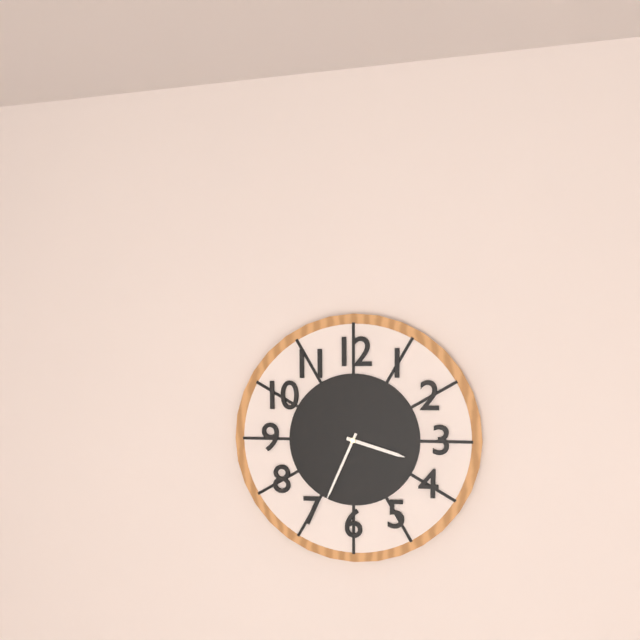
3:34
